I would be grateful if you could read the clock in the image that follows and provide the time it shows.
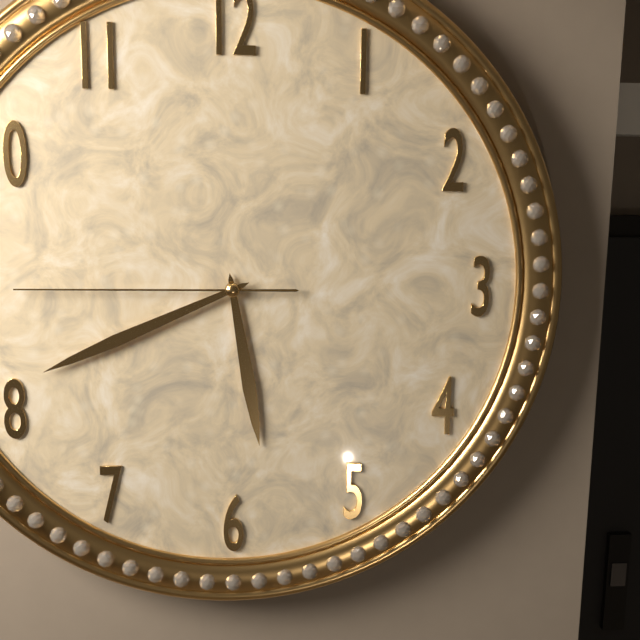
5:41:45
